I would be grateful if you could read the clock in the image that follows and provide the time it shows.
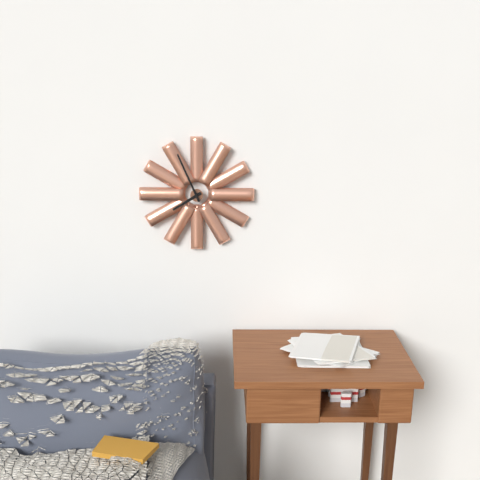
7:56
